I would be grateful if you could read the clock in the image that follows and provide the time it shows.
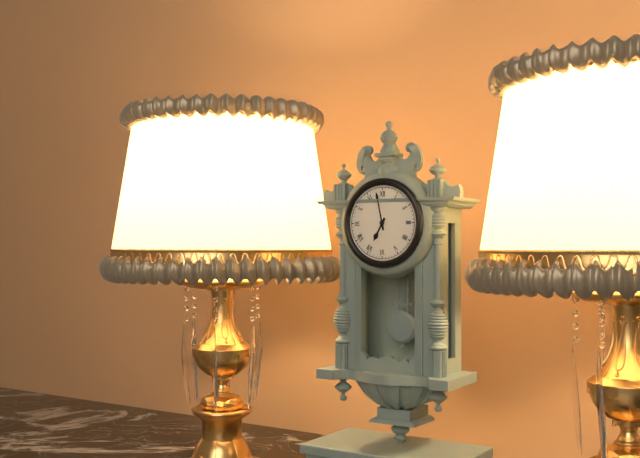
6:58
